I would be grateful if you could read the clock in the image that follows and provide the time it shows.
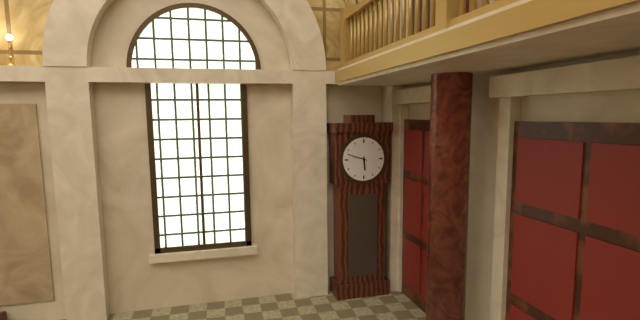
5:48
